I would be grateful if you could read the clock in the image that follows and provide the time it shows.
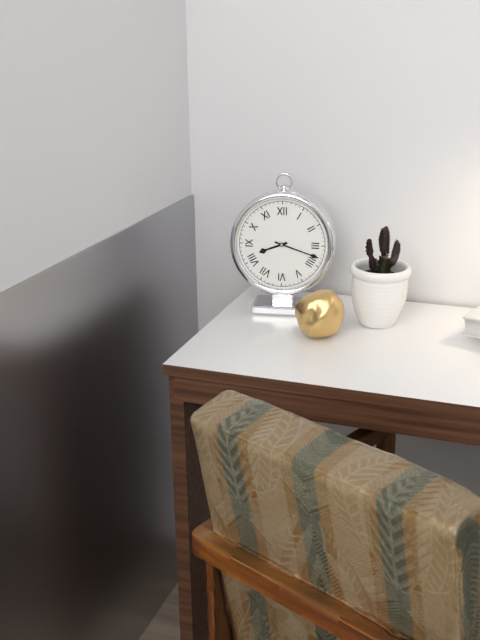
8:18
